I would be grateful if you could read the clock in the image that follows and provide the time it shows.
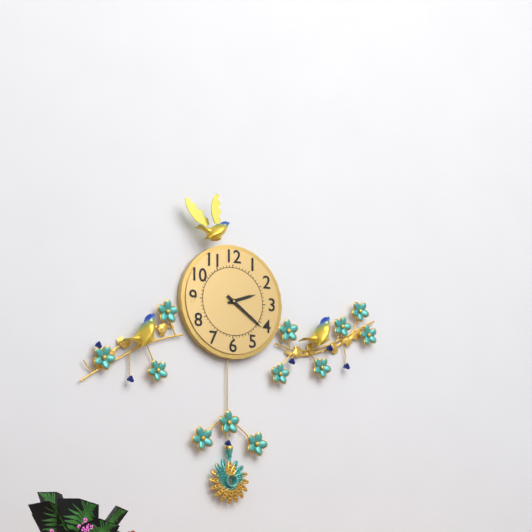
2:21
